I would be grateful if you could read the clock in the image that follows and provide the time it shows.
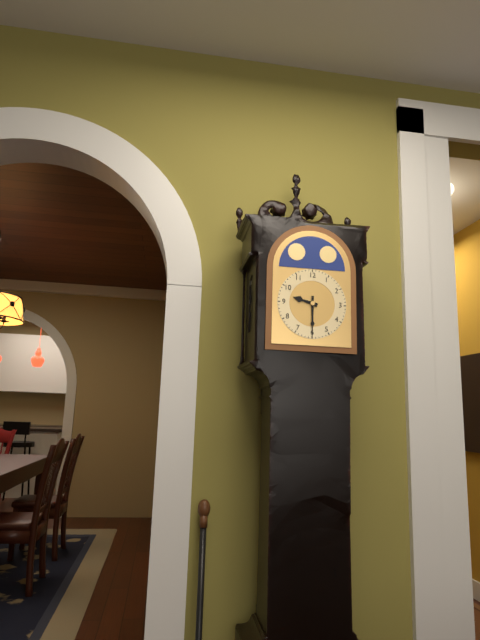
9:30
